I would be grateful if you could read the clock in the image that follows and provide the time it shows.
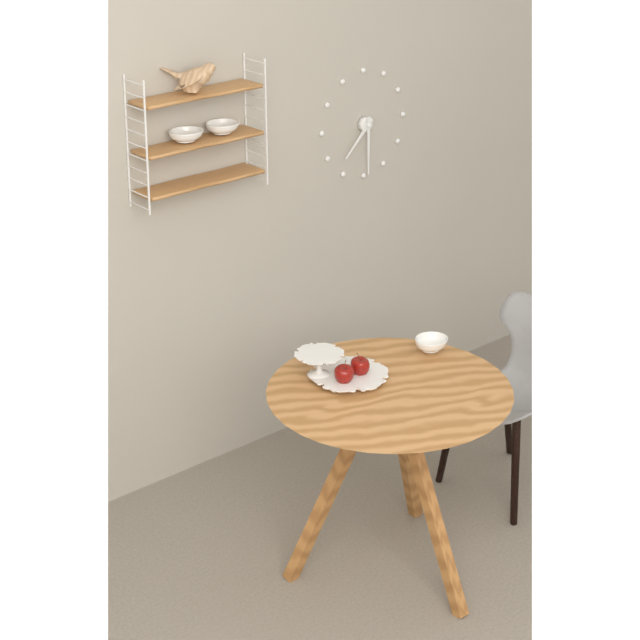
7:30
